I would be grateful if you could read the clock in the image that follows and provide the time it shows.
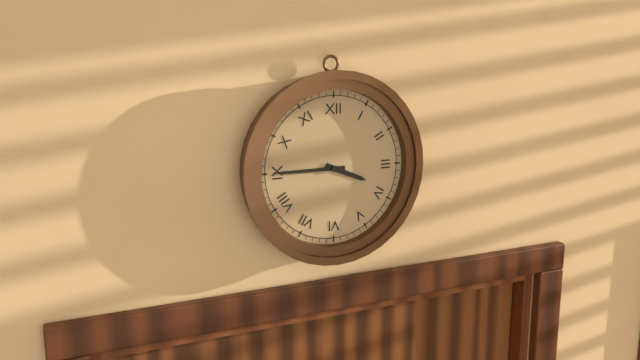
3:45
